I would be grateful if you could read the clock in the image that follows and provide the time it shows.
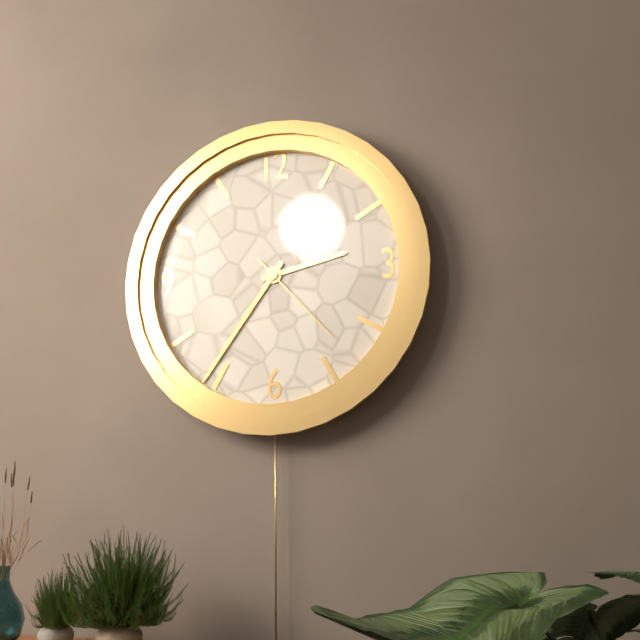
2:36:23
